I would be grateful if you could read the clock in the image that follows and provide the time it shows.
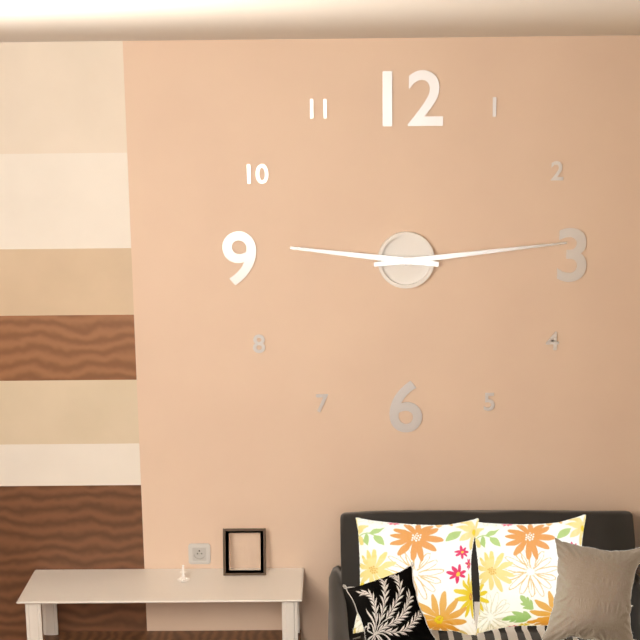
9:14
